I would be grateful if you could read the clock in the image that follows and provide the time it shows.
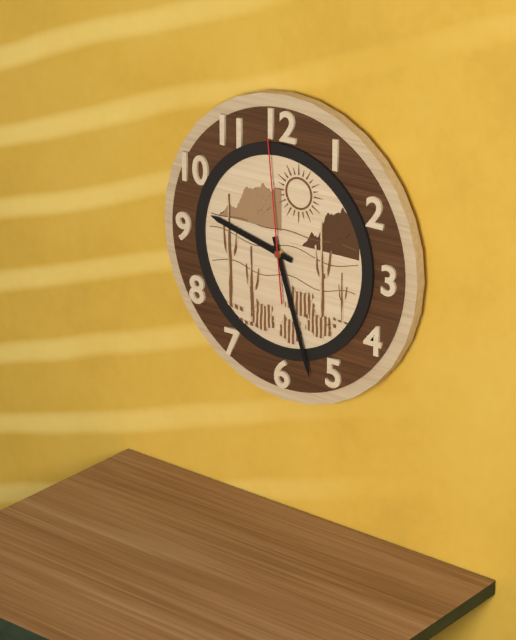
9:27:59
